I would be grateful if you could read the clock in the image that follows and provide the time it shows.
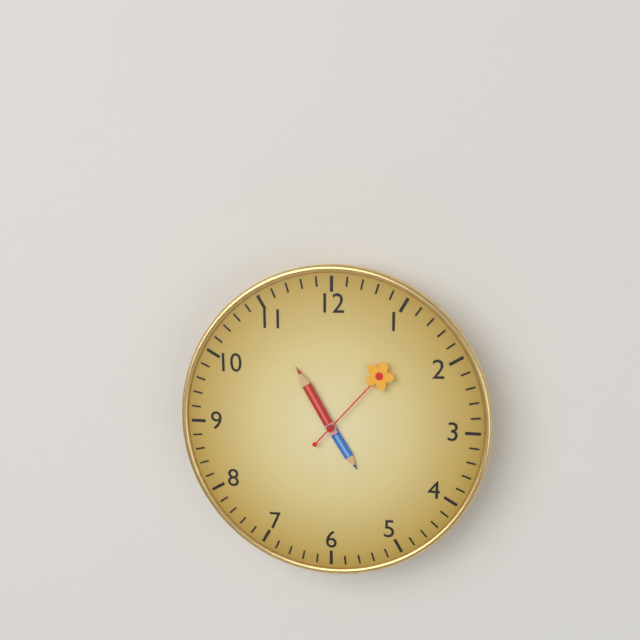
4:55:07
